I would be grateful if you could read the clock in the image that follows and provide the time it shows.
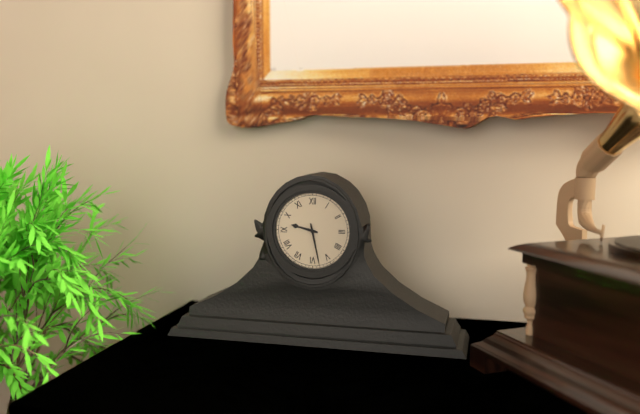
9:28
